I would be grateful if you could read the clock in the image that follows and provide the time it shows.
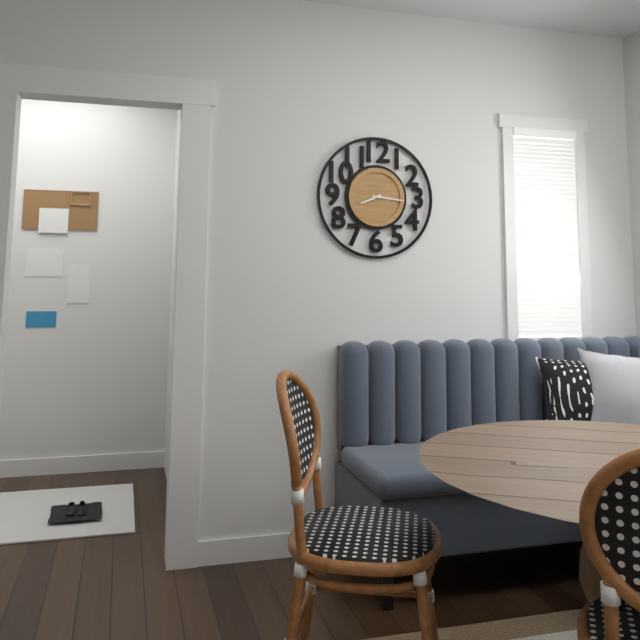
8:16
